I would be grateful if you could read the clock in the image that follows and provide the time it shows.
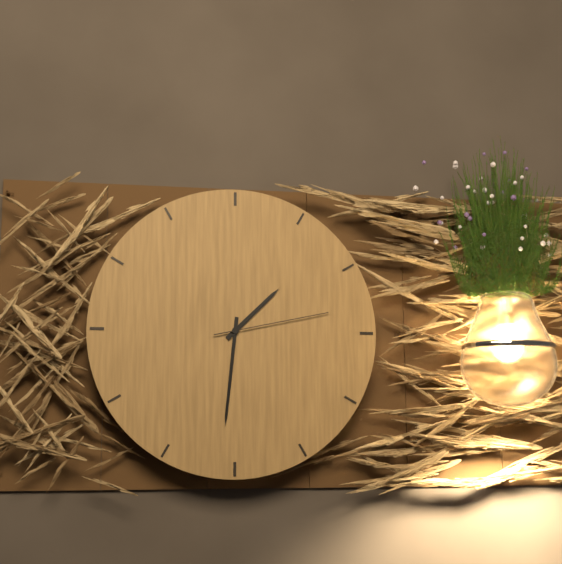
1:31:13
